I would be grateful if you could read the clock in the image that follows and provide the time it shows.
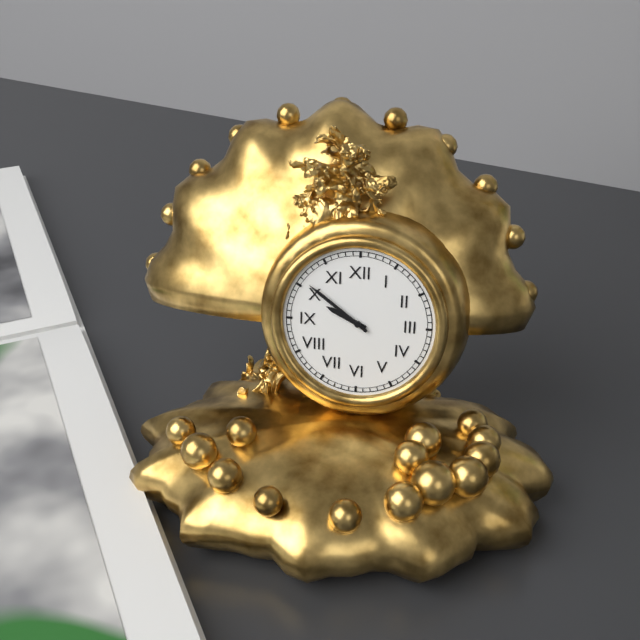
9:51
